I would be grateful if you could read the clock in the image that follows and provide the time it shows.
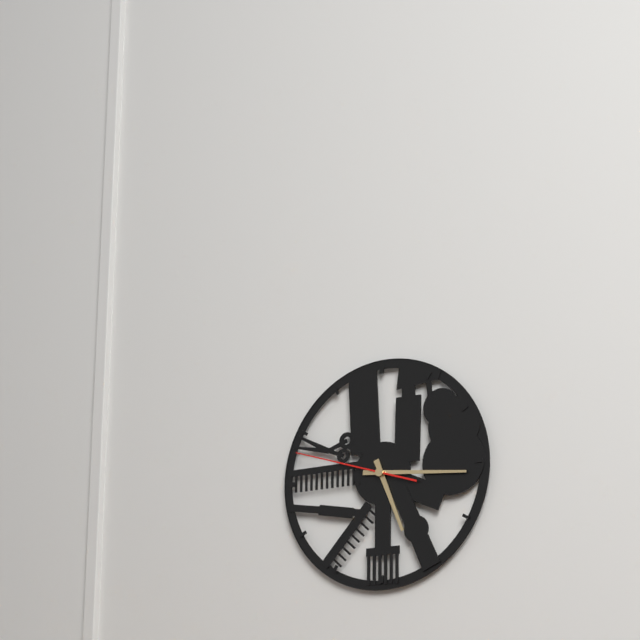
5:16:48
